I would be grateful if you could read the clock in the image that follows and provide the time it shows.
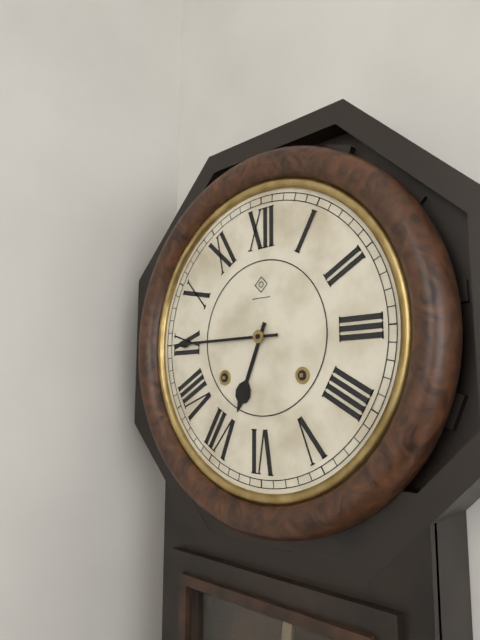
6:45
